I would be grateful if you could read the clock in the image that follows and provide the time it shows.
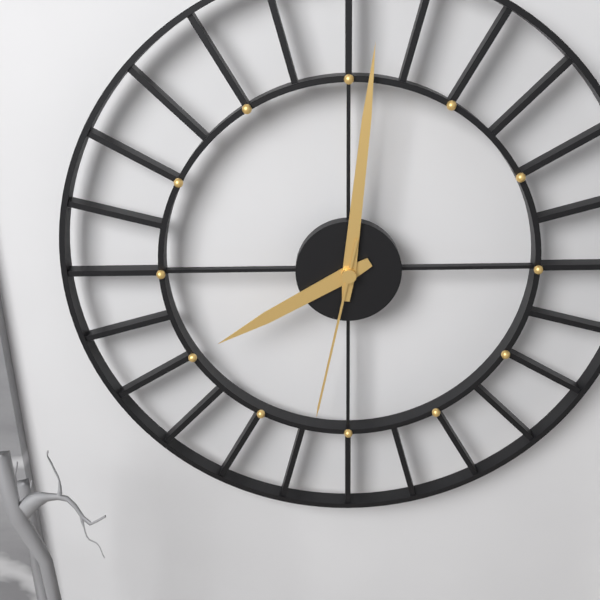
8:01:32
